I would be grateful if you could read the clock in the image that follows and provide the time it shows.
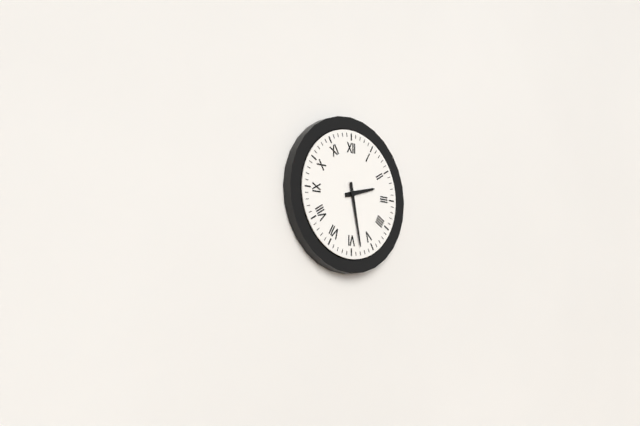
2:28
